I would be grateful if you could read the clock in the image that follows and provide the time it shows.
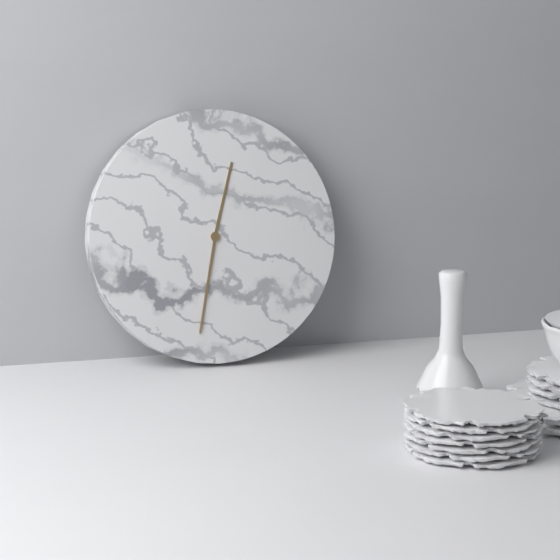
12:32
